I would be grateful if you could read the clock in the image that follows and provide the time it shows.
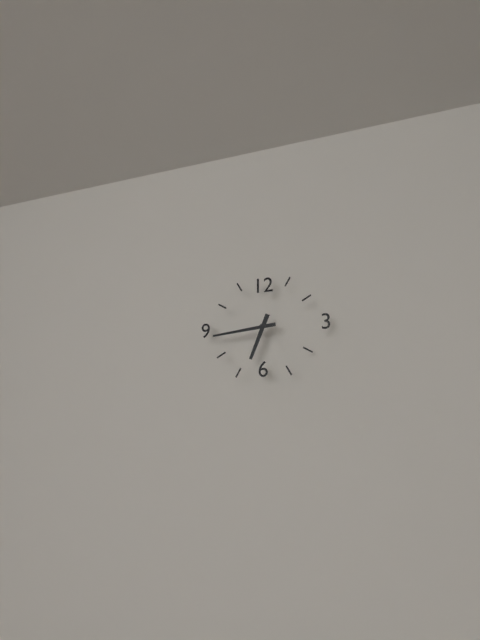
6:44
